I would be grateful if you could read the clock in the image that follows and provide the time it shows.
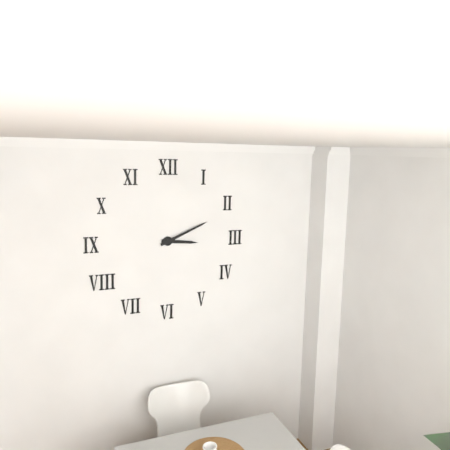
3:11
